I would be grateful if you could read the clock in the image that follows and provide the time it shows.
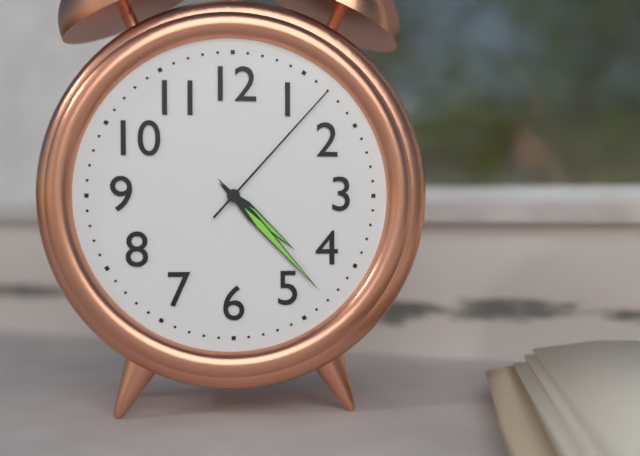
4:23:07
